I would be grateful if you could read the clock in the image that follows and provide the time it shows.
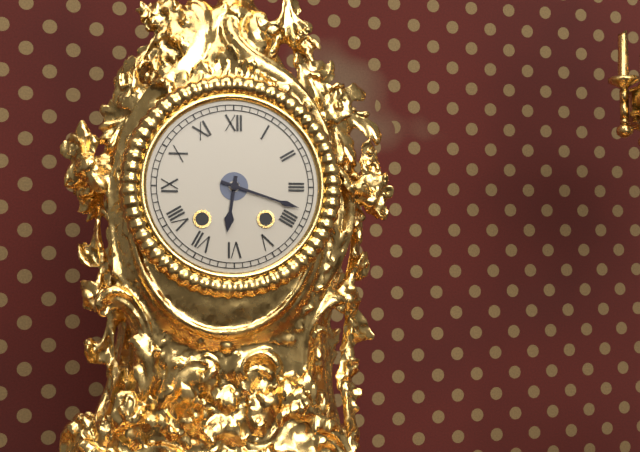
6:18
